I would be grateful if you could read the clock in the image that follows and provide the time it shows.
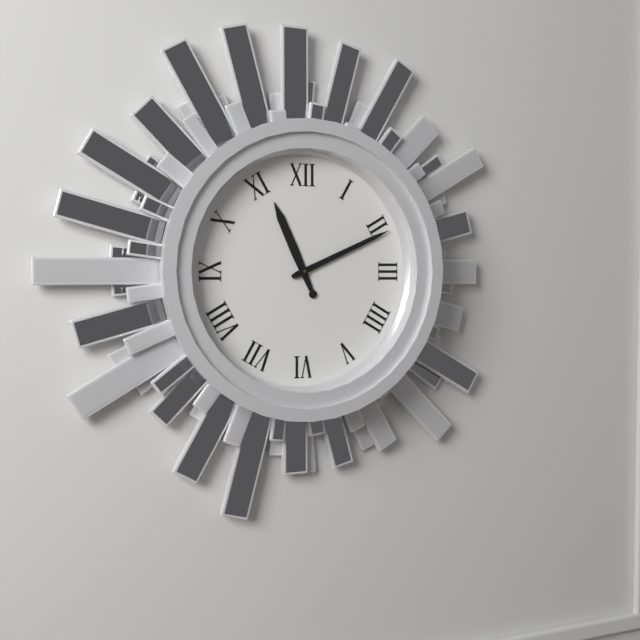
11:11
